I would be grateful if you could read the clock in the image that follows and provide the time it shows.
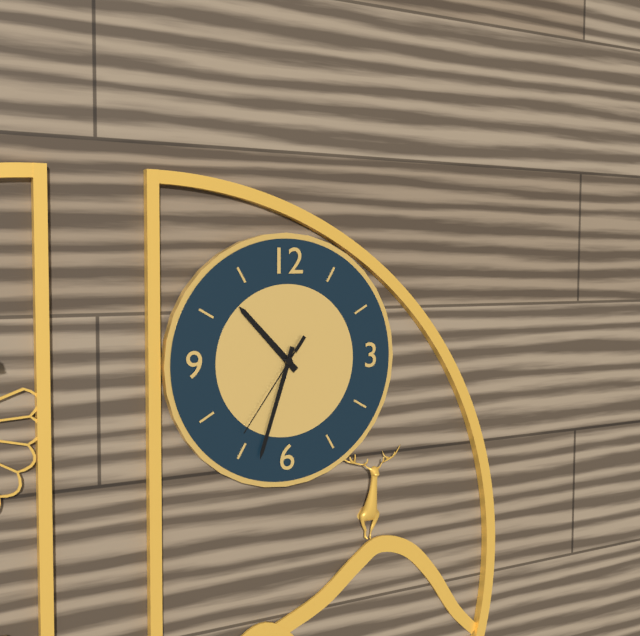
10:33:36
